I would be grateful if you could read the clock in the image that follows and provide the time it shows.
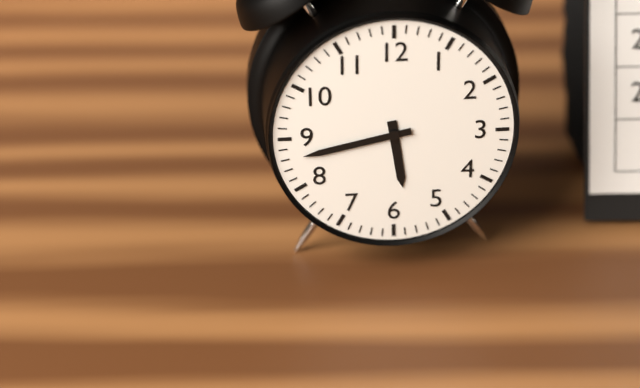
5:43
